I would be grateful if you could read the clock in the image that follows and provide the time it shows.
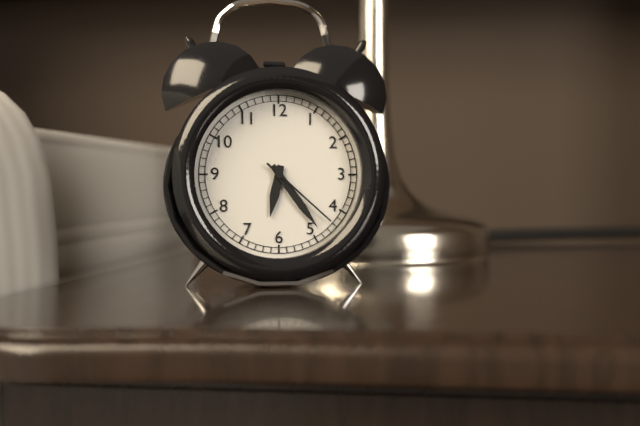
6:24:22
